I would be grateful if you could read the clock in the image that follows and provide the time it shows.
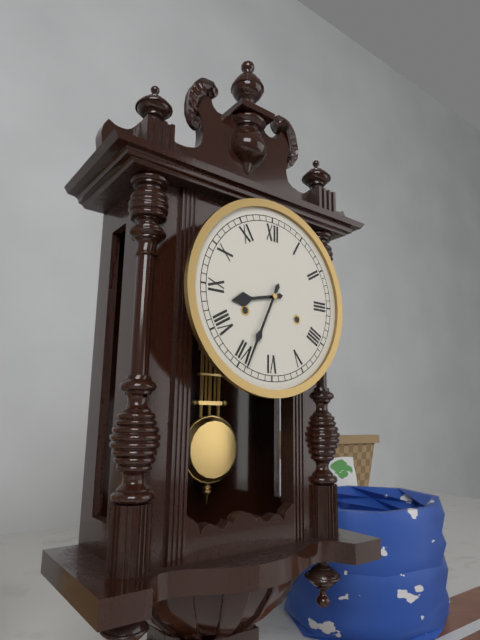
8:34
